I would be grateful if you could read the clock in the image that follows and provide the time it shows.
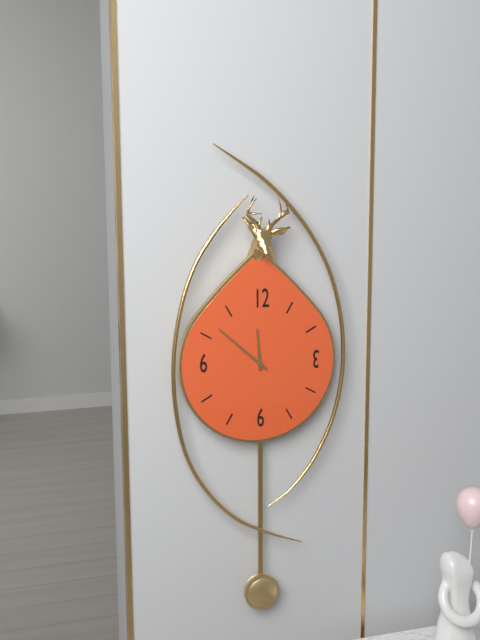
11:52
